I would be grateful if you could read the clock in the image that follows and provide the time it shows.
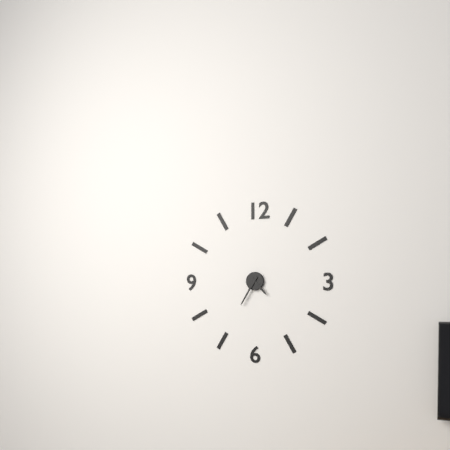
4:35
